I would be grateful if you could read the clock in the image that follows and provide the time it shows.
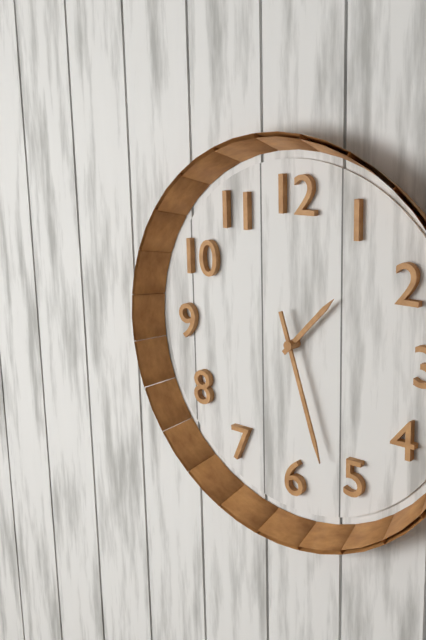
1:27
